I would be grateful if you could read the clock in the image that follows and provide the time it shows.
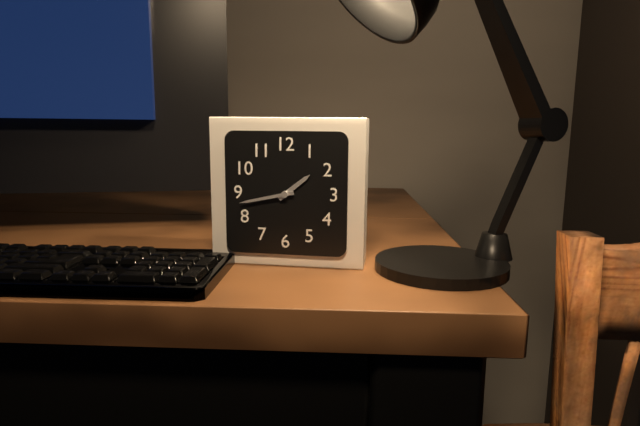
1:43
